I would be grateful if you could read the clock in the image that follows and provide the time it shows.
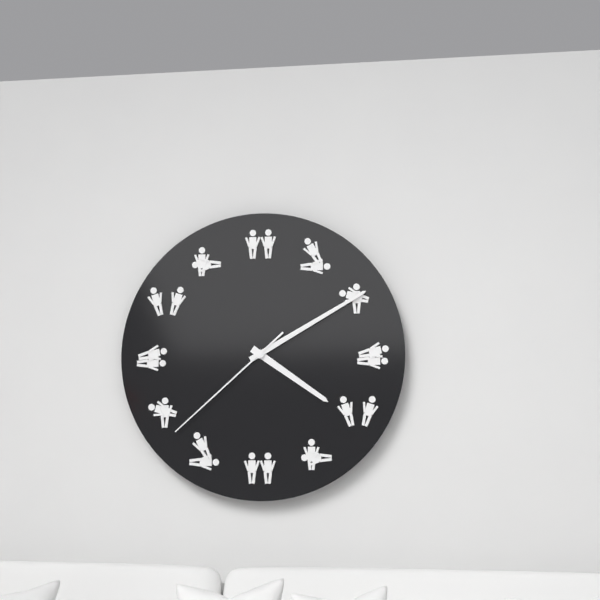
4:10:38
